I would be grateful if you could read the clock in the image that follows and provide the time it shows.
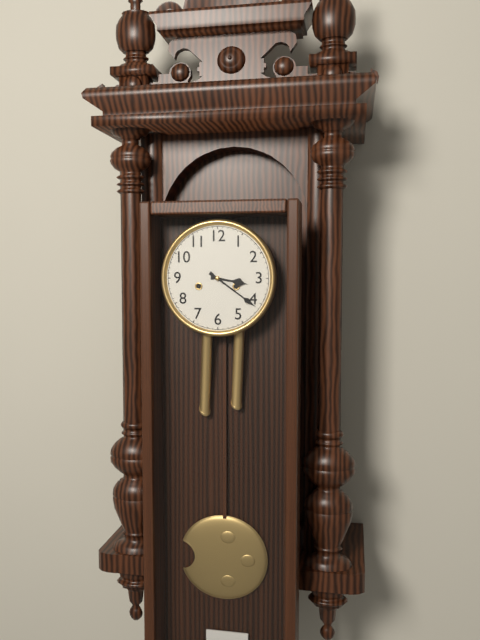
3:21
